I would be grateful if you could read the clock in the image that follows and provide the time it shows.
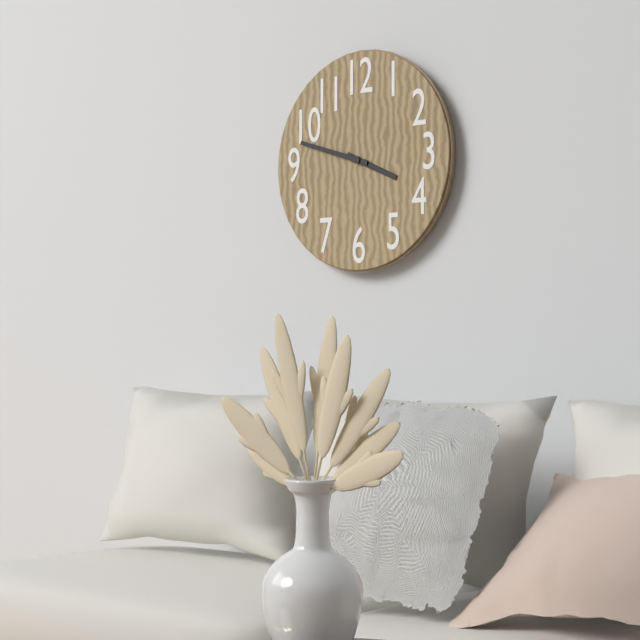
3:48
